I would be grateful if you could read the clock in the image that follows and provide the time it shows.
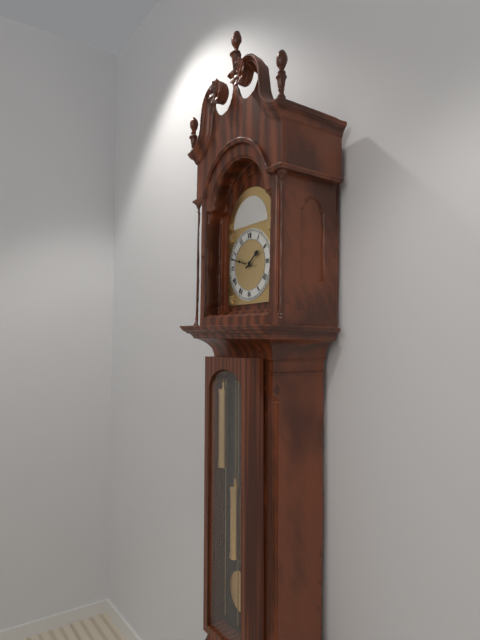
1:48
